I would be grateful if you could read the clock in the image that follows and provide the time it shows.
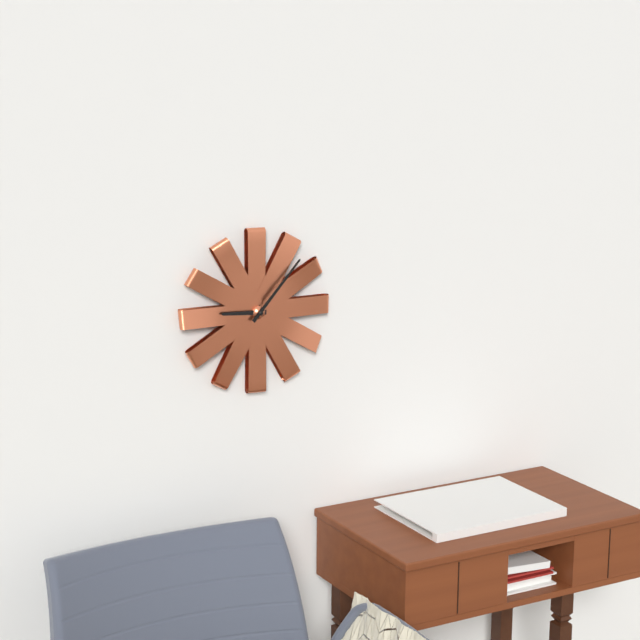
9:07
